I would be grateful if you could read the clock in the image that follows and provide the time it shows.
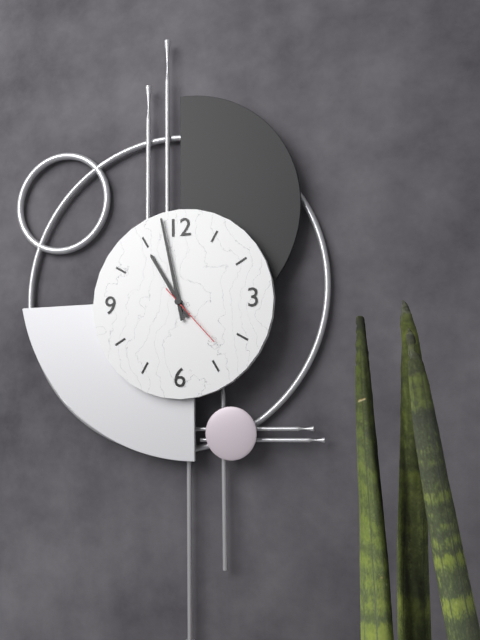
10:58:23
